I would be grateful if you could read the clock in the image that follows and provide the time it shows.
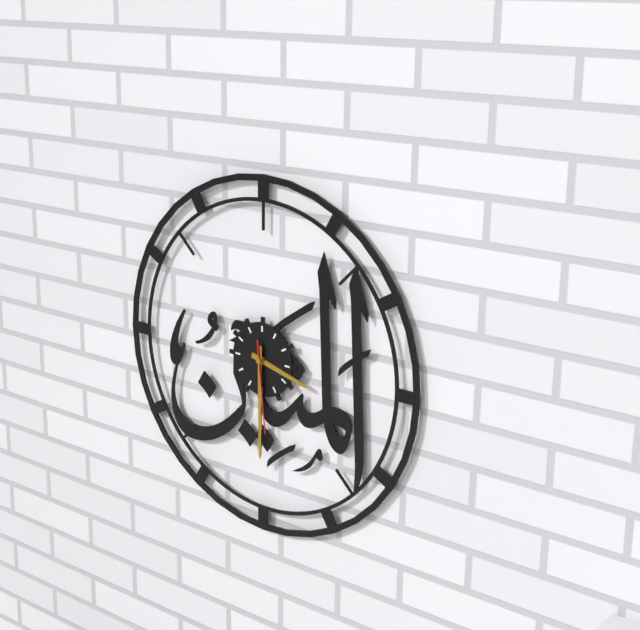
3:30:29
